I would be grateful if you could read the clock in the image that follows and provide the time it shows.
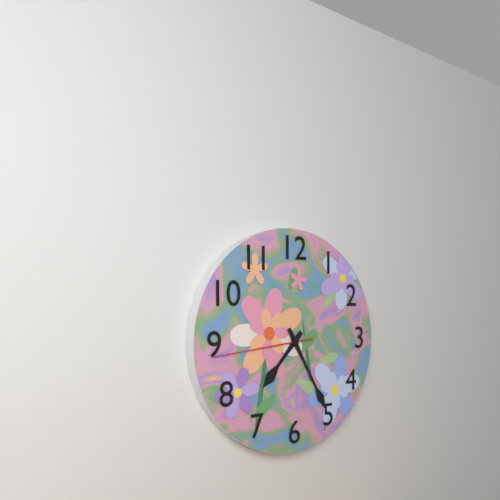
7:25:44
